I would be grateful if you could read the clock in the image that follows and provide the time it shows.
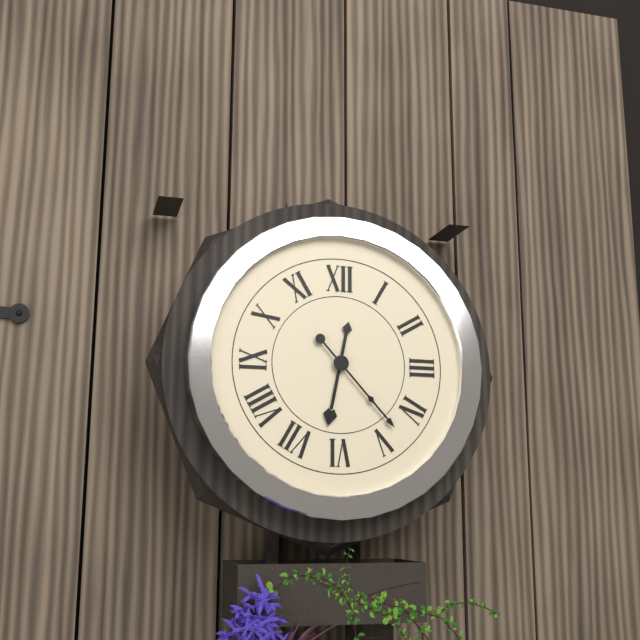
6:23
